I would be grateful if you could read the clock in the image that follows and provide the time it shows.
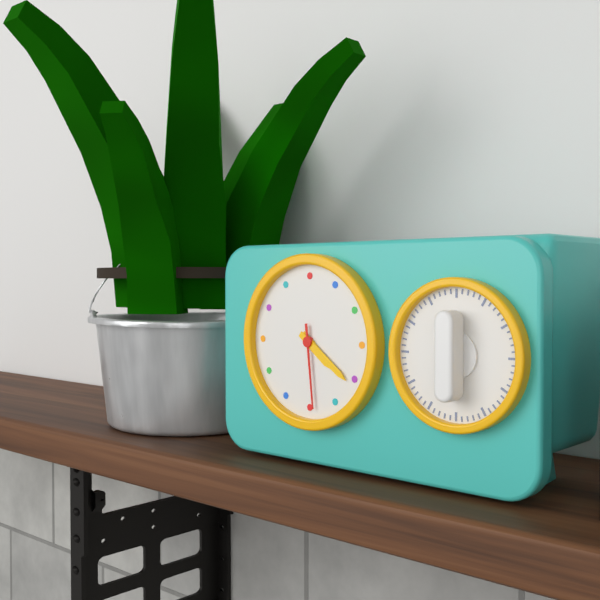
4:21:29
